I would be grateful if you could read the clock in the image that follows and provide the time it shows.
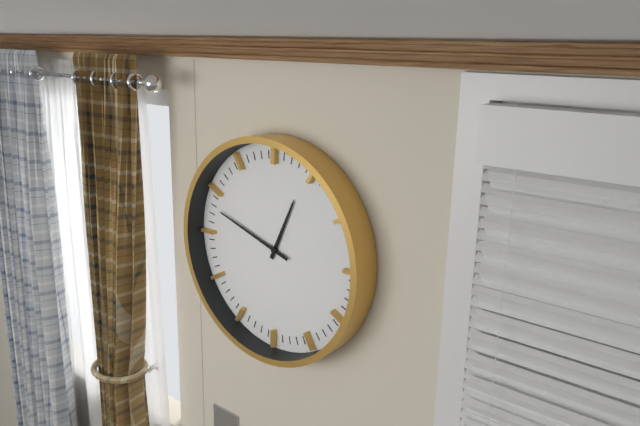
12:48
